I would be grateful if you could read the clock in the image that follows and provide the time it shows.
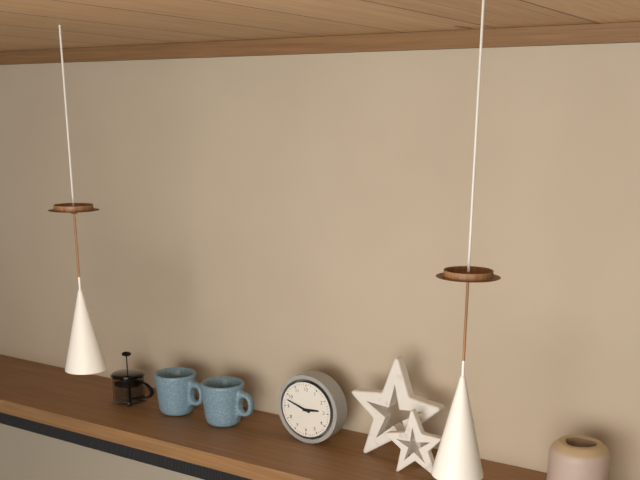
2:48
